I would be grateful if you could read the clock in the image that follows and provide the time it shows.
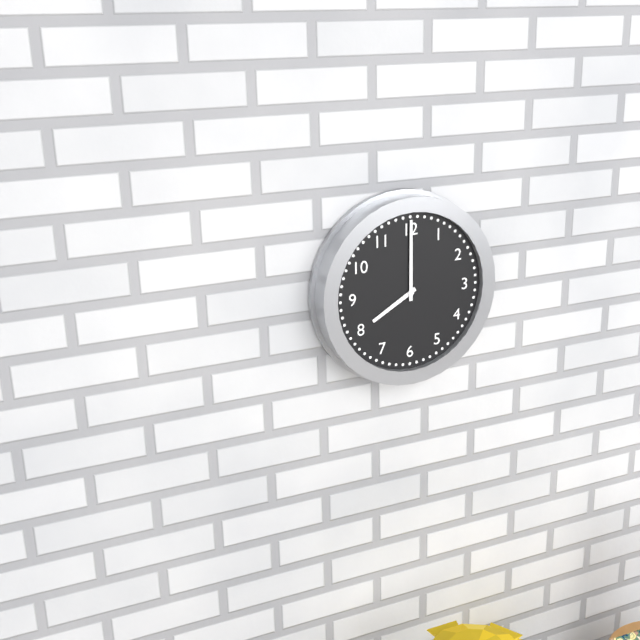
8:00
